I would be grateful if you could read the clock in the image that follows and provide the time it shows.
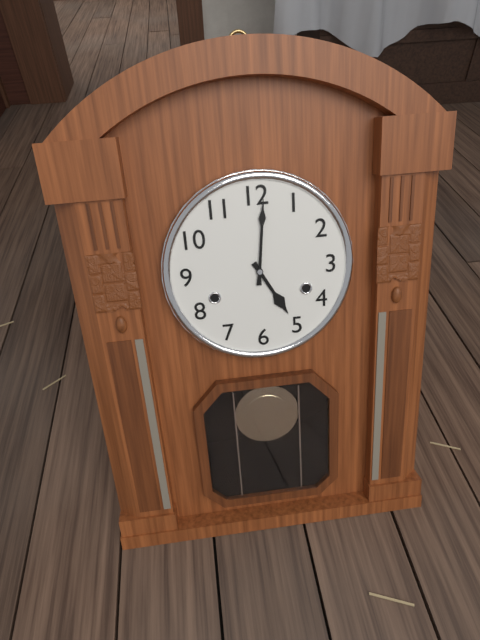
5:01
